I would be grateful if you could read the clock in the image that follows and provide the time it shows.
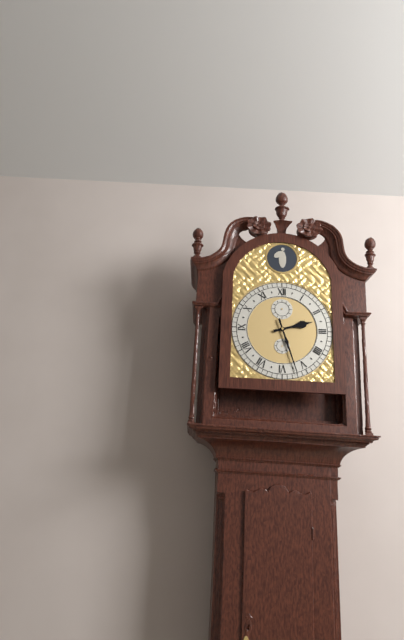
2:27
